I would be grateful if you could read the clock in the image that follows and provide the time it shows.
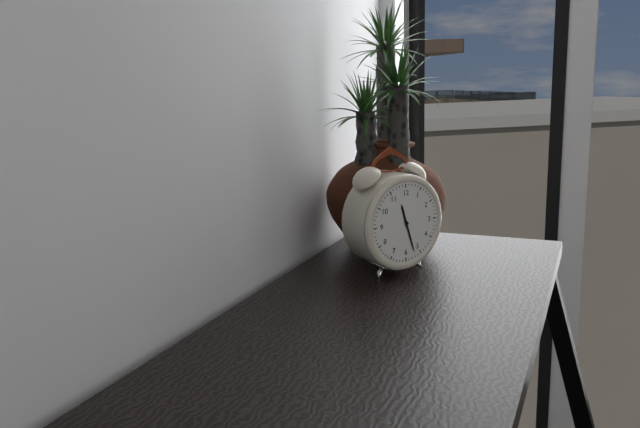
11:27
